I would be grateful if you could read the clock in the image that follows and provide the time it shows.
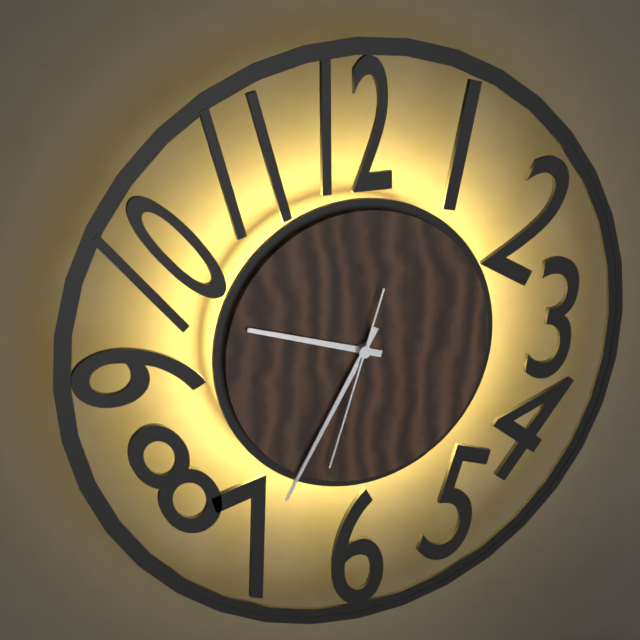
9:35:33
